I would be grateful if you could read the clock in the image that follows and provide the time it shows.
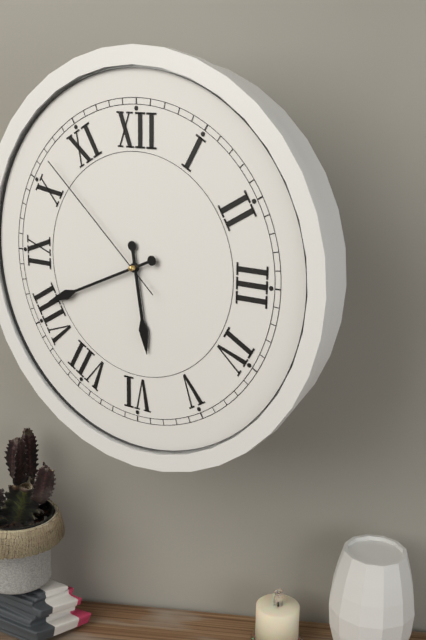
5:41:52
